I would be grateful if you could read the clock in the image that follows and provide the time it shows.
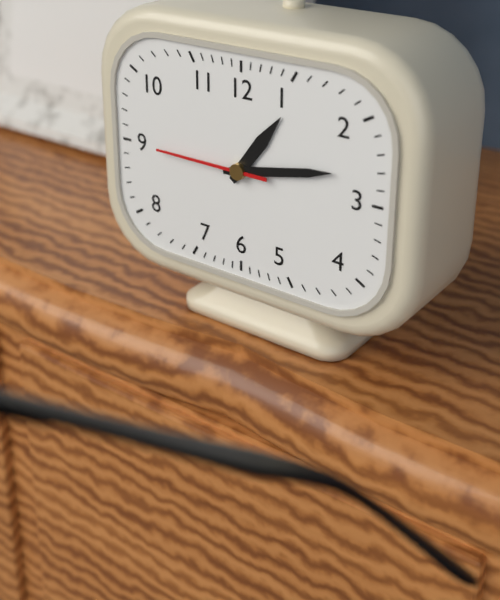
1:13:45
